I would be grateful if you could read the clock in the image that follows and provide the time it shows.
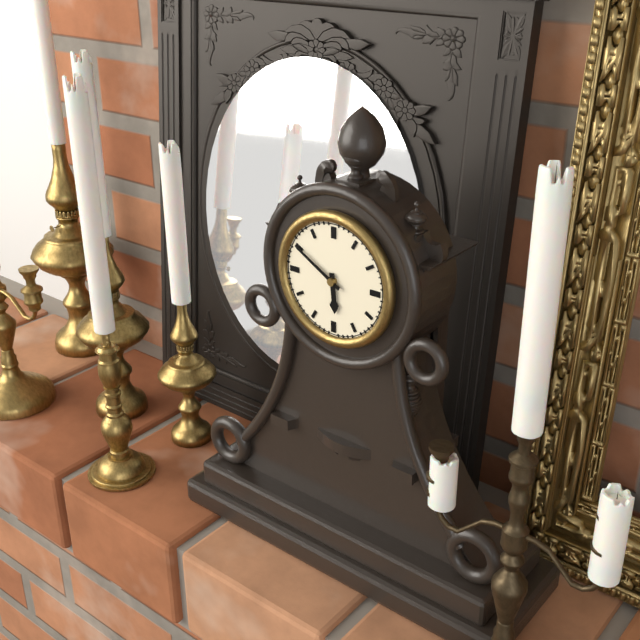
5:50
